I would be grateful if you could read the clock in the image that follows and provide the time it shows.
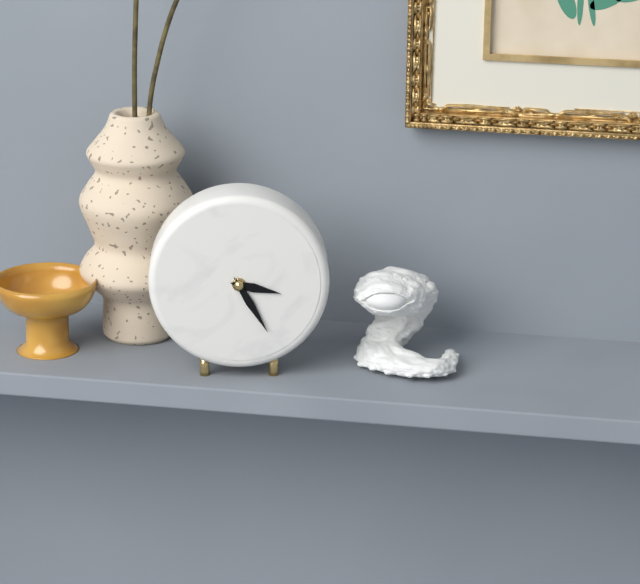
3:25
